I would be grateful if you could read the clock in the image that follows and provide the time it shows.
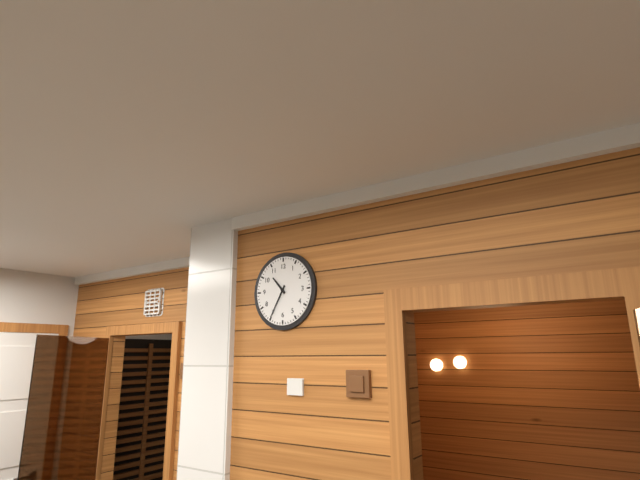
10:35
